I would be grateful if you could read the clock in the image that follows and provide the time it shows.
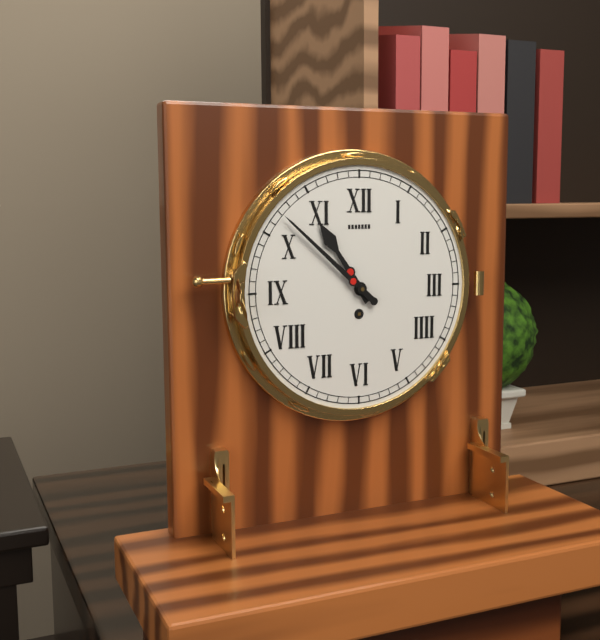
10:52
